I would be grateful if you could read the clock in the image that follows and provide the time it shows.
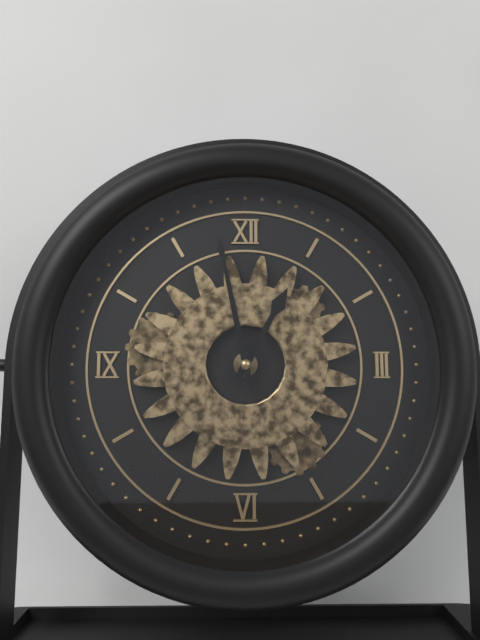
12:58
